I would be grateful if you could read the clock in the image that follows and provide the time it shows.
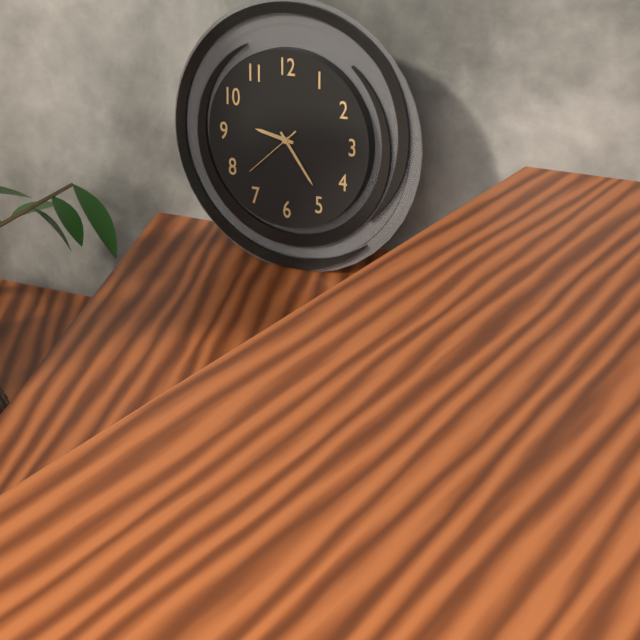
9:24:38
